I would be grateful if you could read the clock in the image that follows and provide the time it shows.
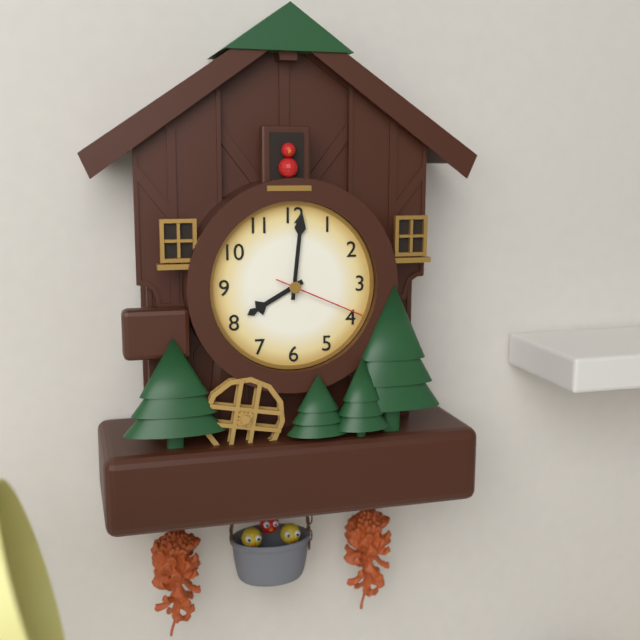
8:01:19
